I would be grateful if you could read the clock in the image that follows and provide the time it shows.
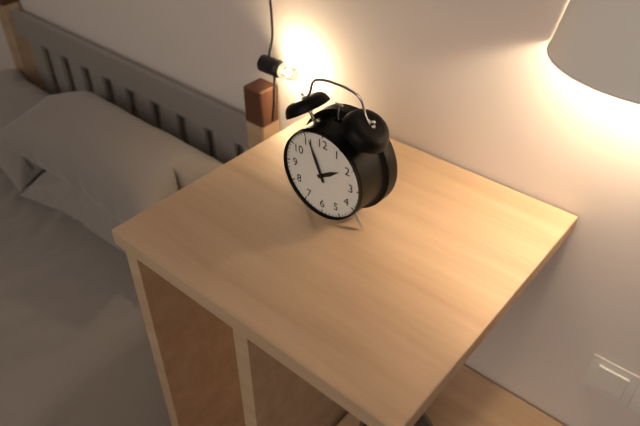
1:56
